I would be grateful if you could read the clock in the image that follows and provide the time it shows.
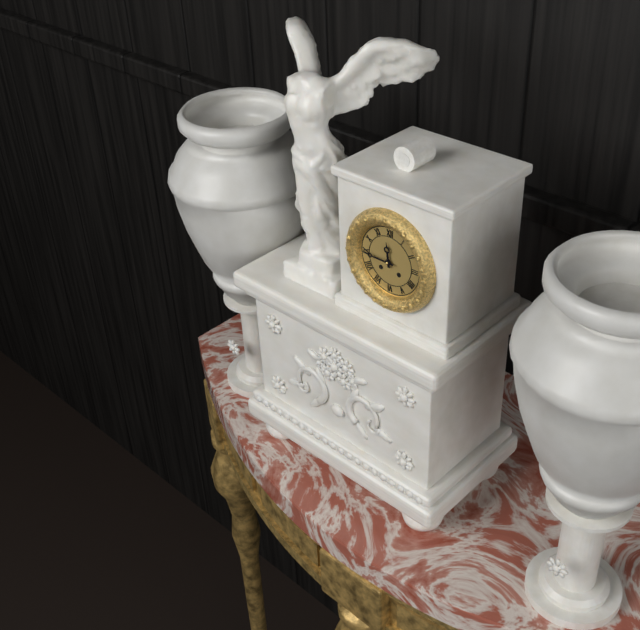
11:45
